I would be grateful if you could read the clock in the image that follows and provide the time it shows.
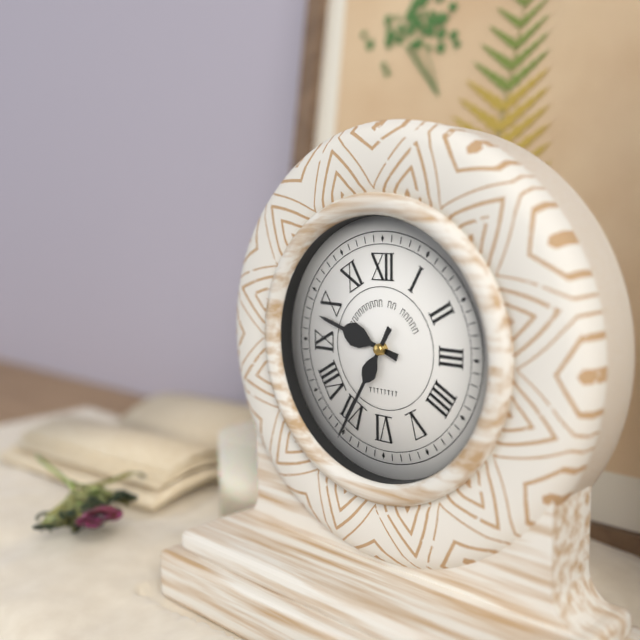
9:35
